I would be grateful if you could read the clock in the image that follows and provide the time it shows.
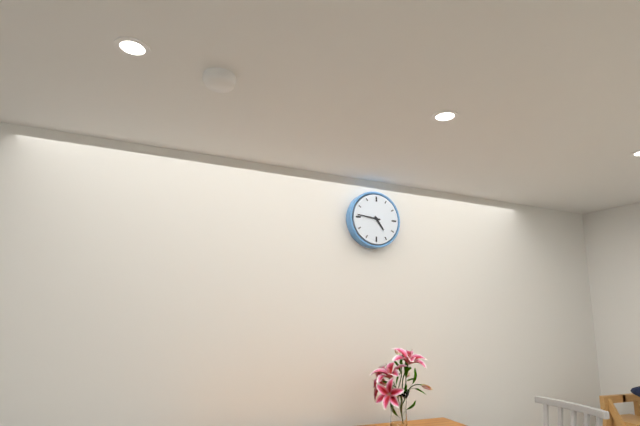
4:46
